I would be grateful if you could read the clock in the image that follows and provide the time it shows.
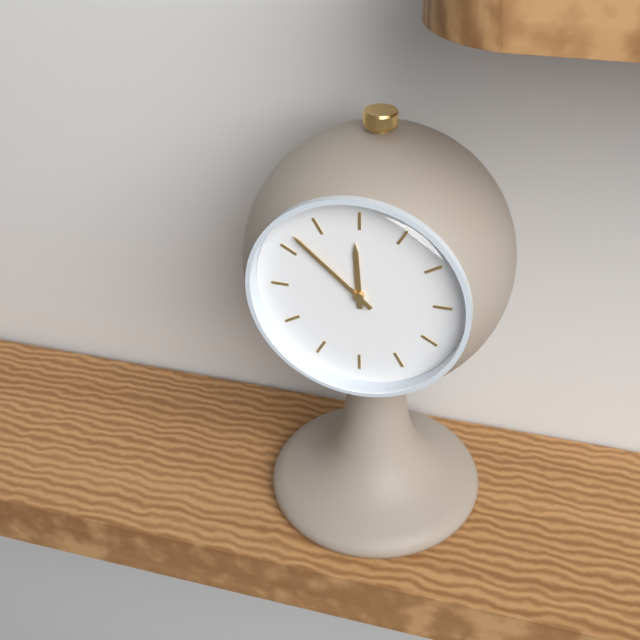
11:52
